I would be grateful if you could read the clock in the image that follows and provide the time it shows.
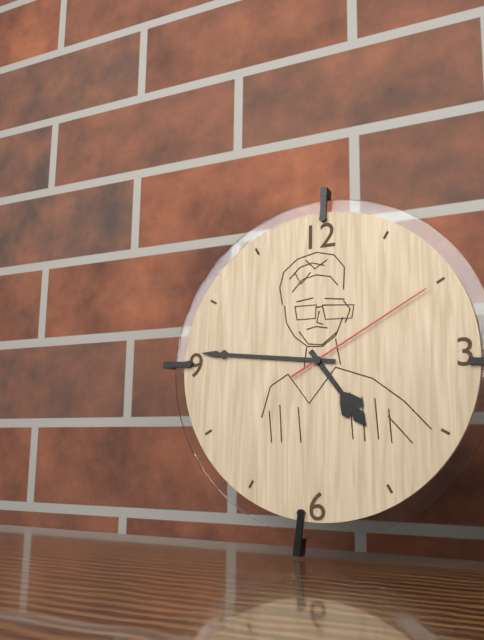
4:46:10
